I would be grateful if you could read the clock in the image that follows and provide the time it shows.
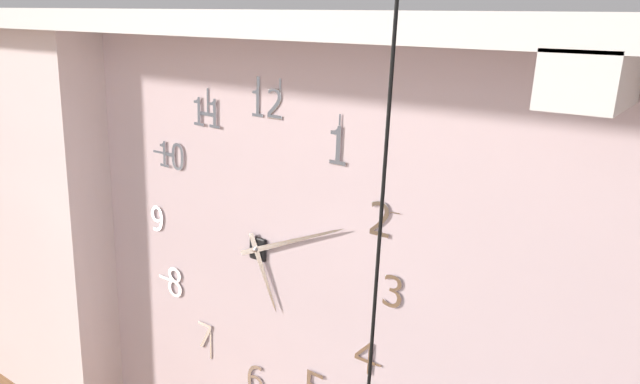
5:11
